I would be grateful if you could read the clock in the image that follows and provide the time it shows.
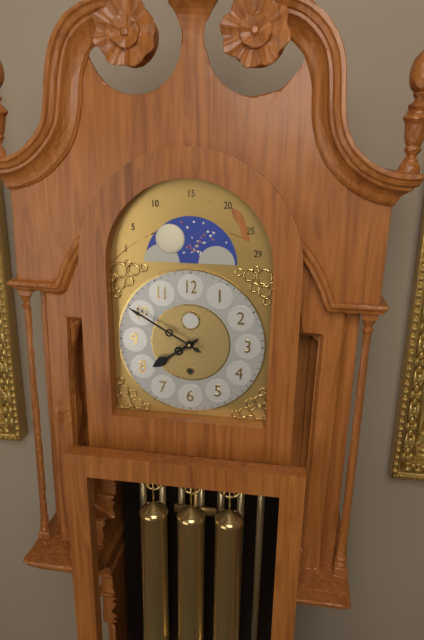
7:50
